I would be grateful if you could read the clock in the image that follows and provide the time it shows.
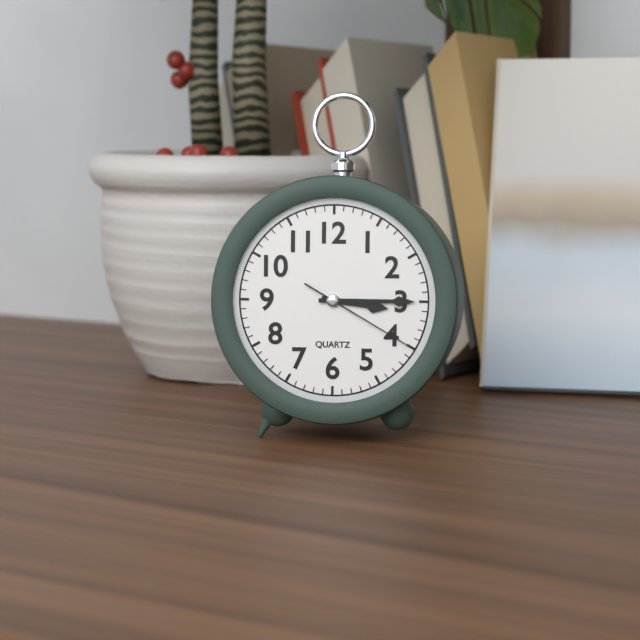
3:15:20
